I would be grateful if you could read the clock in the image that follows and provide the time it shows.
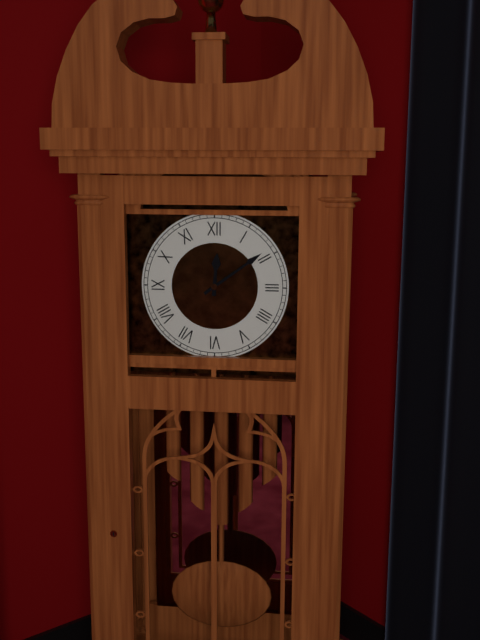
12:09
